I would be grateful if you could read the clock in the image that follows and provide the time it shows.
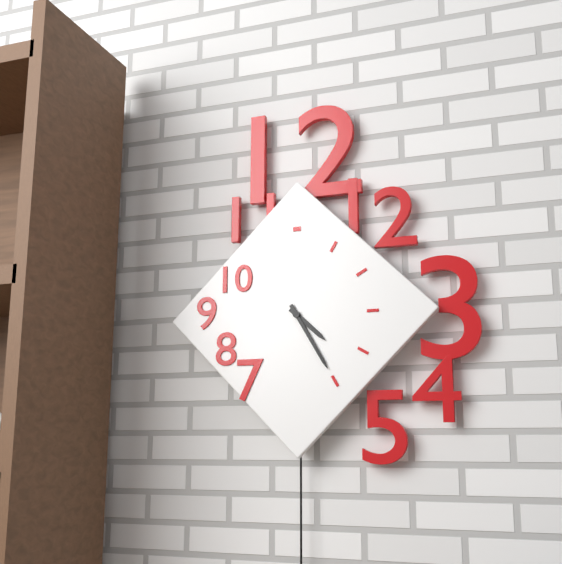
4:25
